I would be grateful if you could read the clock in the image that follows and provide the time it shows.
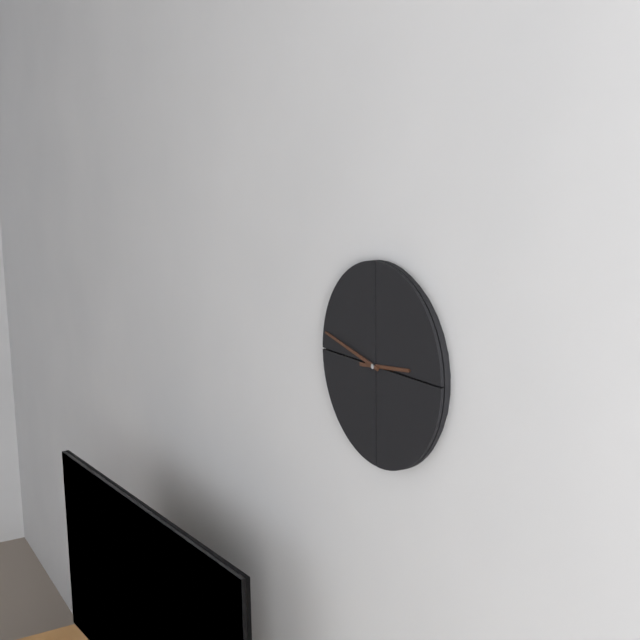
2:47
